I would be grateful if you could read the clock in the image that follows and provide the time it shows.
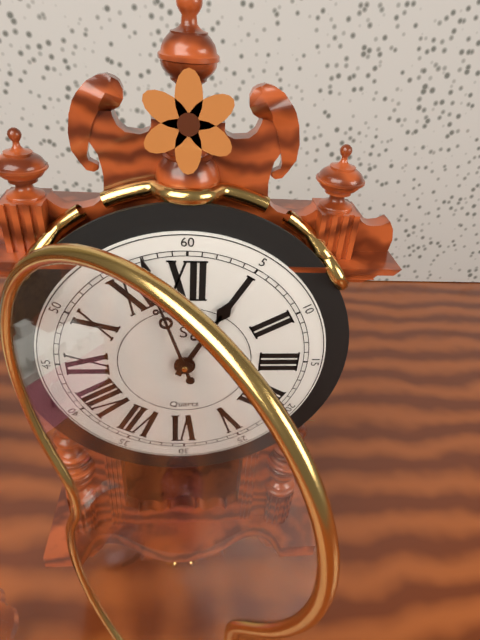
12:57
